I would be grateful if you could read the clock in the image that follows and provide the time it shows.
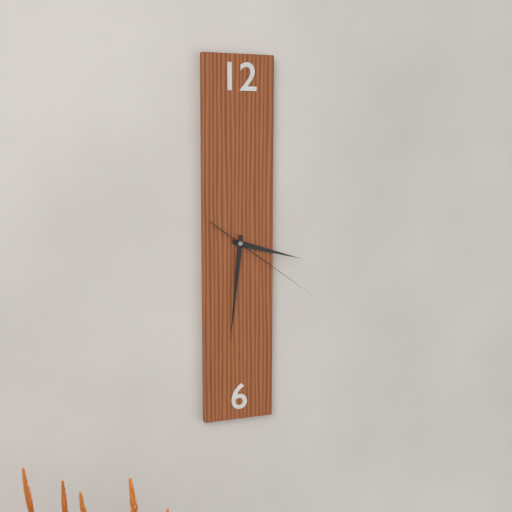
3:31:21
